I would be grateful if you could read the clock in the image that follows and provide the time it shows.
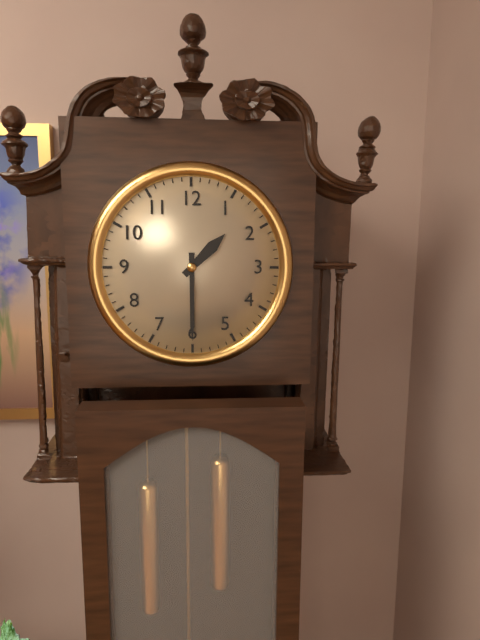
1:30
